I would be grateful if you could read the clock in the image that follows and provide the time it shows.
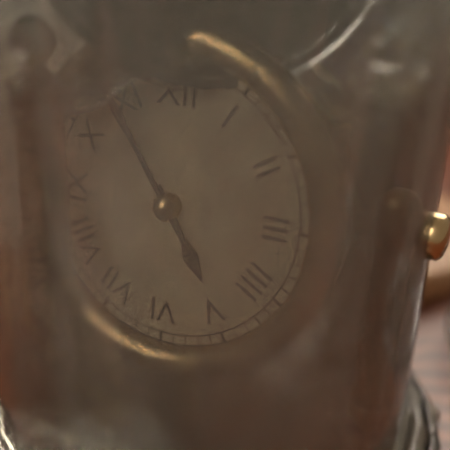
4:54
